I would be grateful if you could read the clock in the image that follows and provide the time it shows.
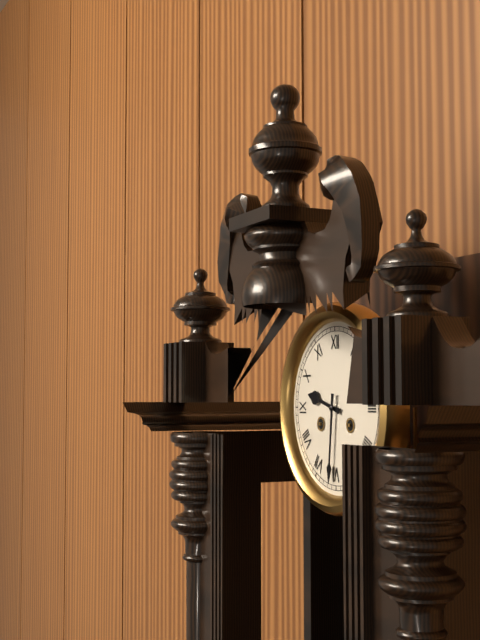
9:31
